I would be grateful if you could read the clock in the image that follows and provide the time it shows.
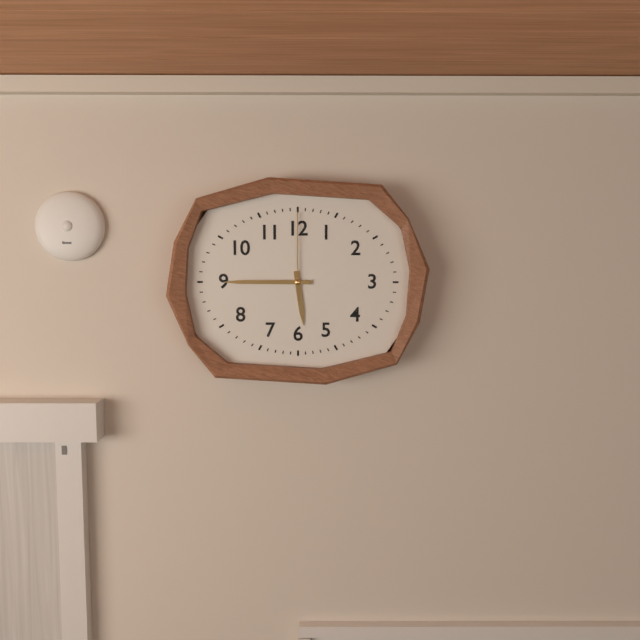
5:45:00
